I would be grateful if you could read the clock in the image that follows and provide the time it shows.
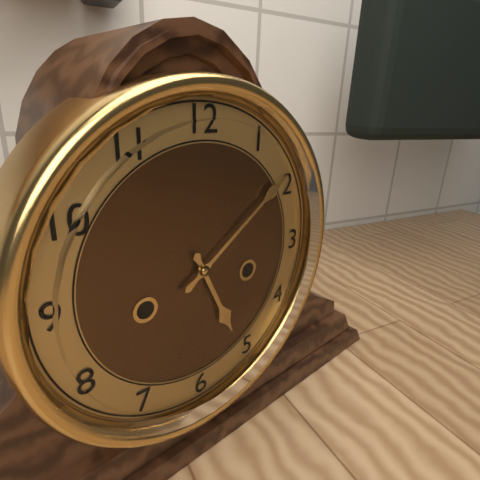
5:09
